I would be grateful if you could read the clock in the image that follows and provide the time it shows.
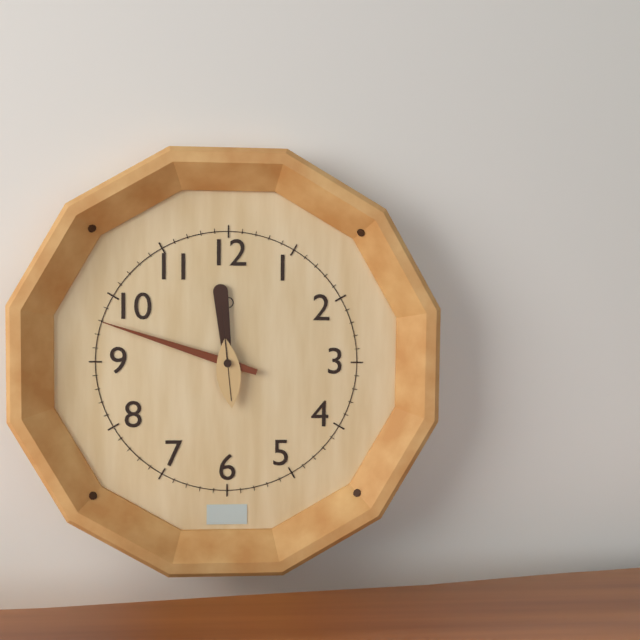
11:48:59
